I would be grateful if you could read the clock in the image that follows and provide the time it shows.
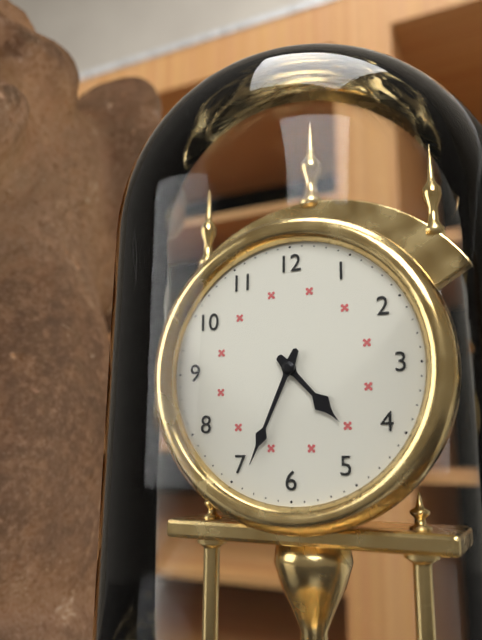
4:34
